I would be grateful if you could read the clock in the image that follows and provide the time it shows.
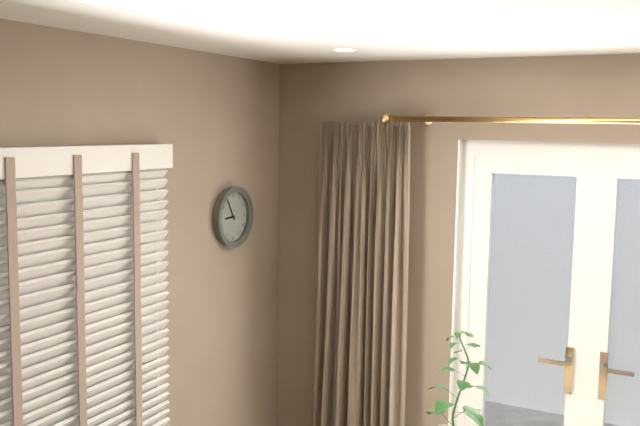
8:55
